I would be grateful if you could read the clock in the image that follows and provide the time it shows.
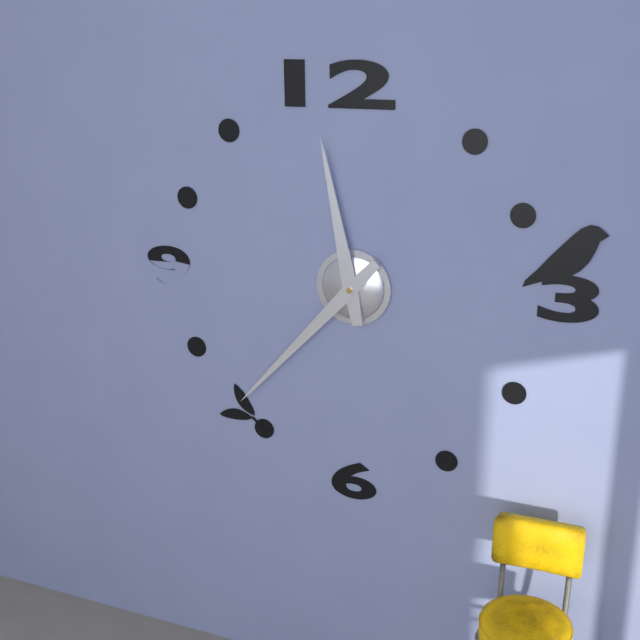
11:37
